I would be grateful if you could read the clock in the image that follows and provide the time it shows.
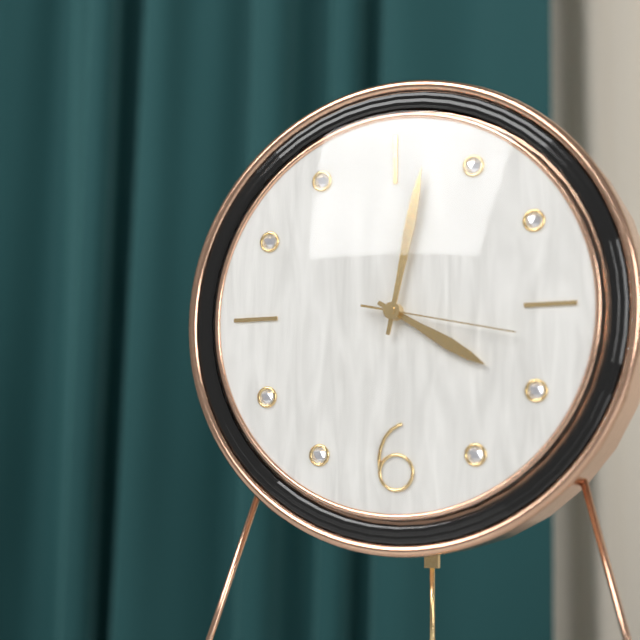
4:02:17
